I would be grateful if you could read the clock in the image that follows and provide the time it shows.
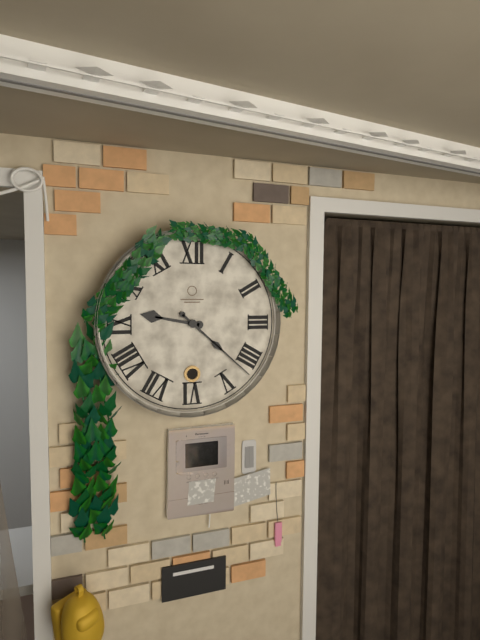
9:22
